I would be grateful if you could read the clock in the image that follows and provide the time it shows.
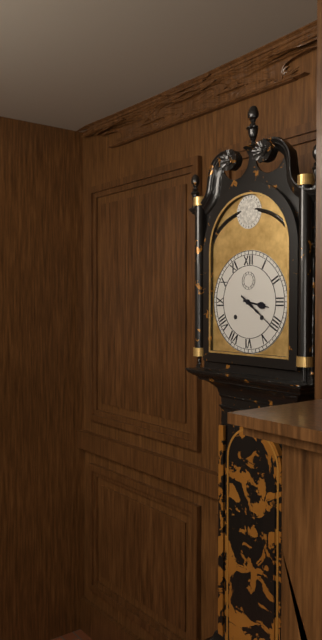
3:21
